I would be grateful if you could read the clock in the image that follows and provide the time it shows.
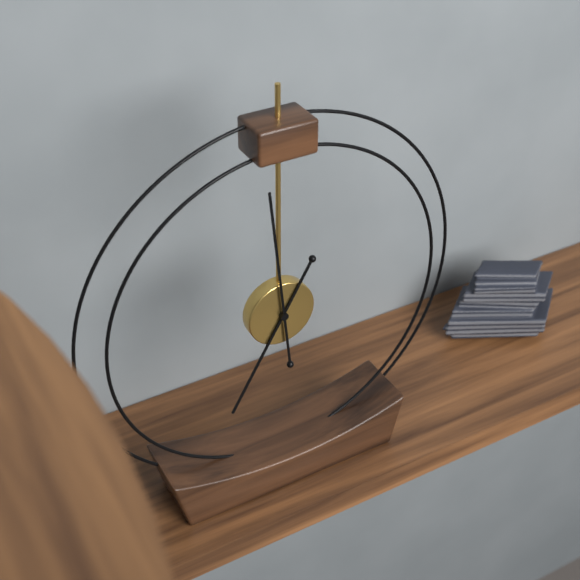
6:59
